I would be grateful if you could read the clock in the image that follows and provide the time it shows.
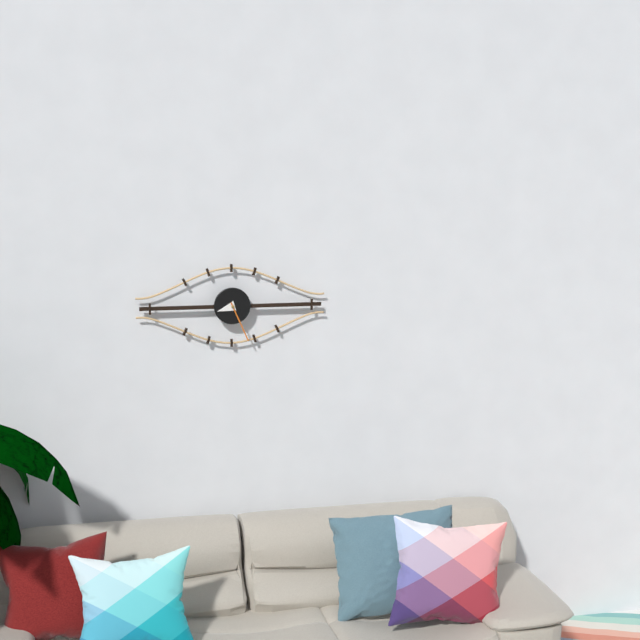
8:26
